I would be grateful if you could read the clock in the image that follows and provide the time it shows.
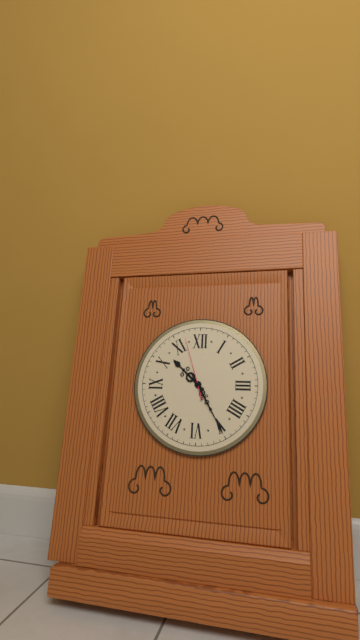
10:25:57
